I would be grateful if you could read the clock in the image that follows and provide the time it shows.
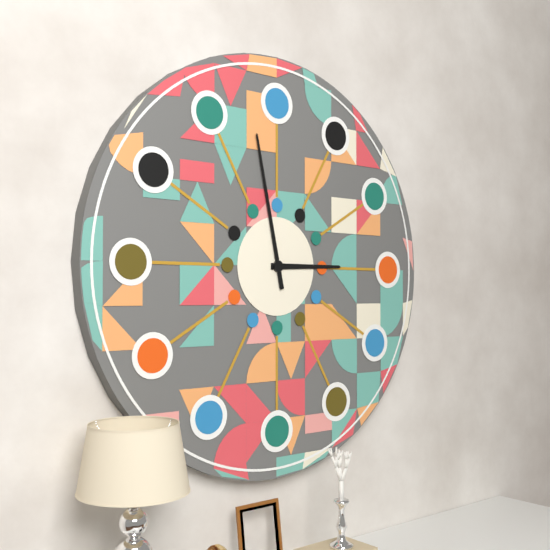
2:58
